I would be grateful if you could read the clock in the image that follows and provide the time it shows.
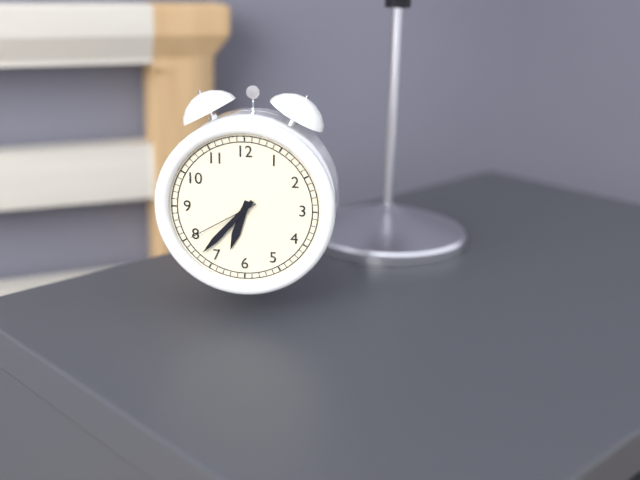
6:37:40
